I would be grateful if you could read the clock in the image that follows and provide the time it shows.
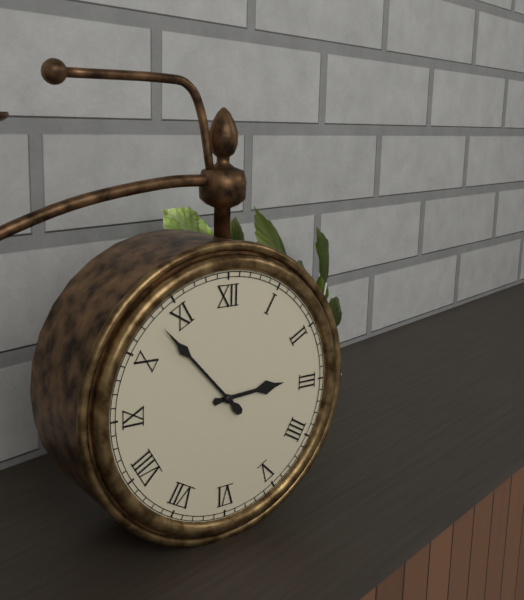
2:53
